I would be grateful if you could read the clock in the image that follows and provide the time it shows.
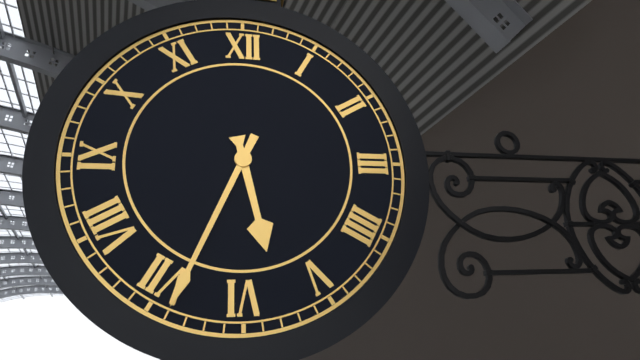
5:34
